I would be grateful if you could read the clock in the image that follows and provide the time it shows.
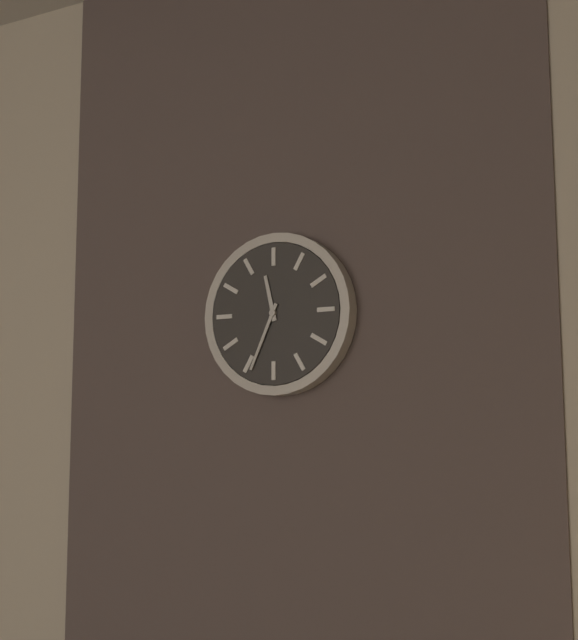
11:34
